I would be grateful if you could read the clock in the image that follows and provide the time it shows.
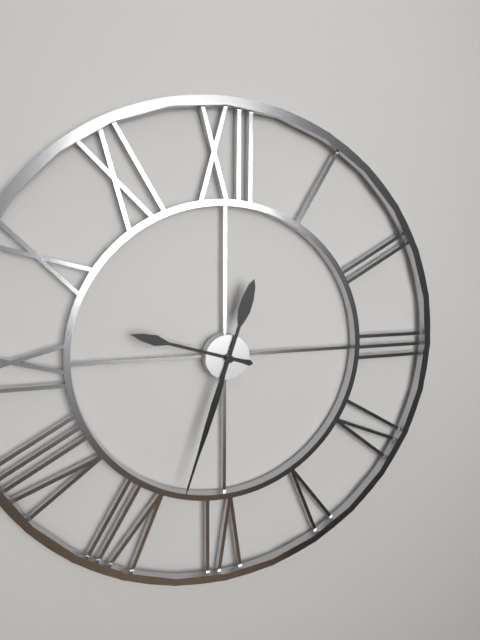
9:33
